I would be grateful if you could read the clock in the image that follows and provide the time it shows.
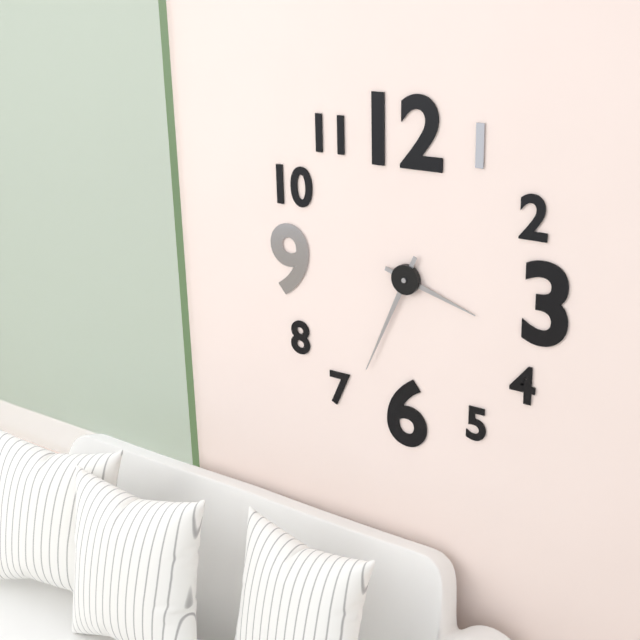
3:34
